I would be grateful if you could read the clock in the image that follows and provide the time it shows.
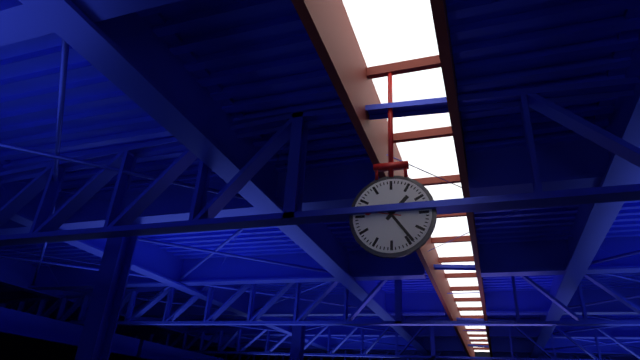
1:24
